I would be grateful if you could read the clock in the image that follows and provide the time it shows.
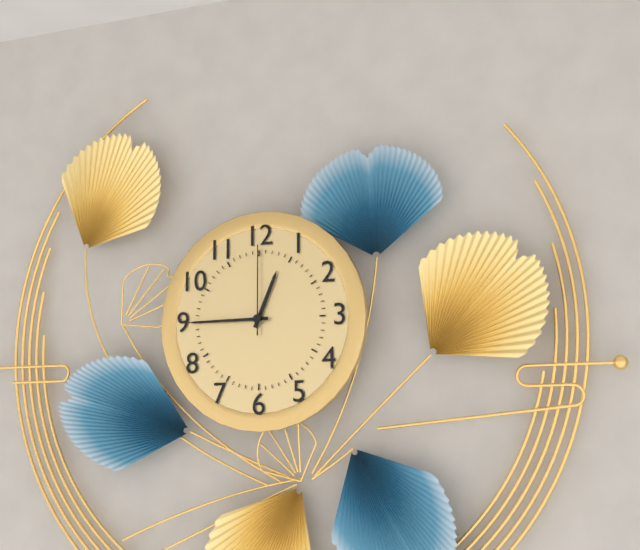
12:45:00
